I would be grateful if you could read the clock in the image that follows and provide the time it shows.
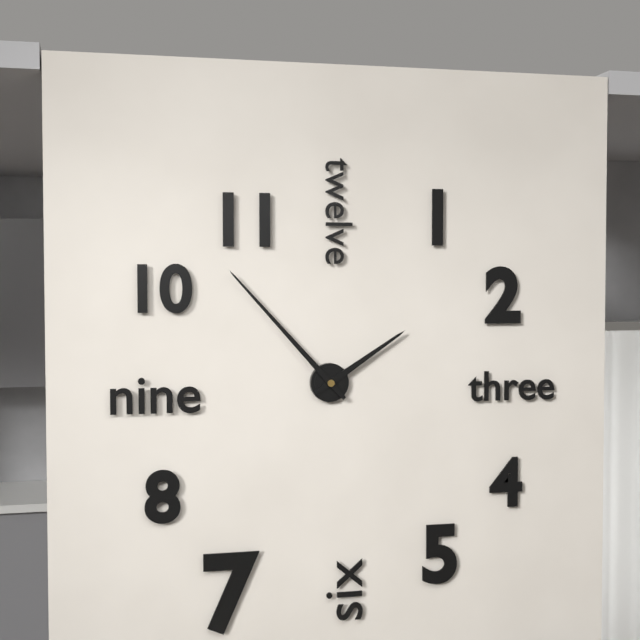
1:53
